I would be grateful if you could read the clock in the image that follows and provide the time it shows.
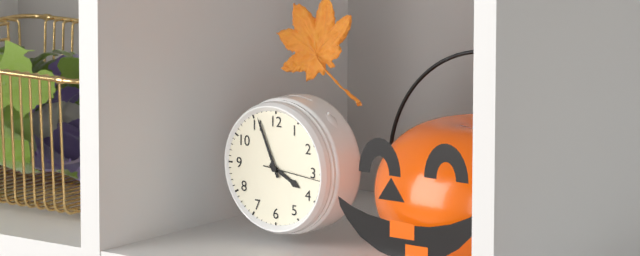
3:56:16
